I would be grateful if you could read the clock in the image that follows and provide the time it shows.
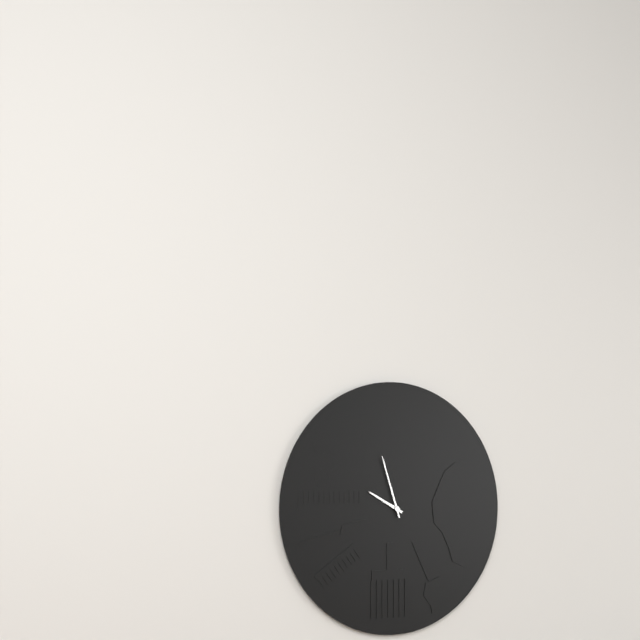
9:57
